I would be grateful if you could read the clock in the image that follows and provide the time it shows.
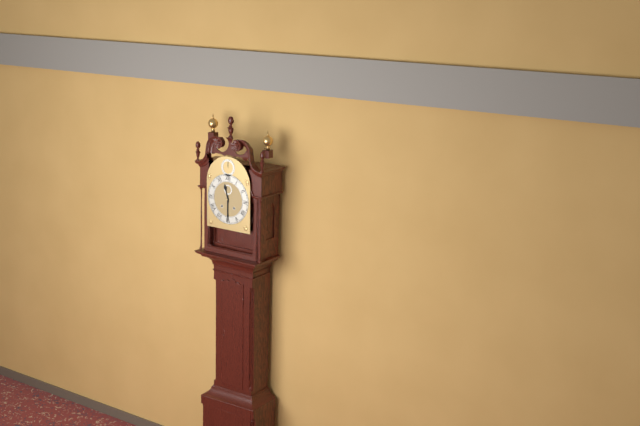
11:30
